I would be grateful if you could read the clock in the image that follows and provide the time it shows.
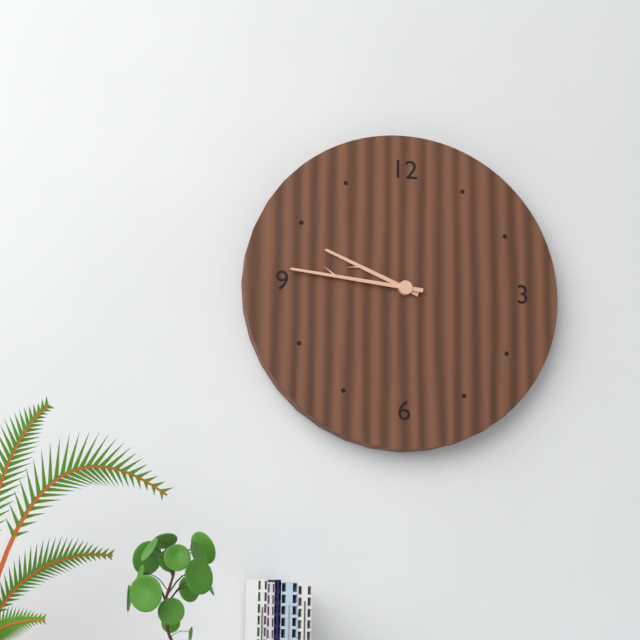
9:46
